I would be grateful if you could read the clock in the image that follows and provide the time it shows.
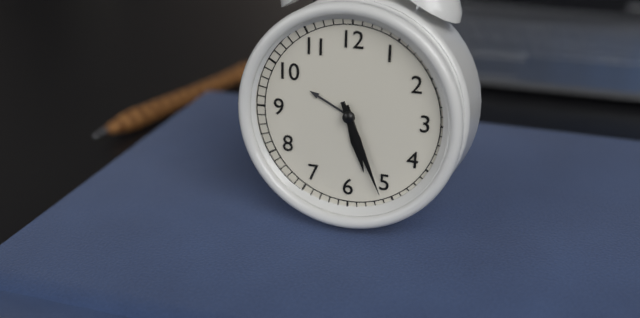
5:26
